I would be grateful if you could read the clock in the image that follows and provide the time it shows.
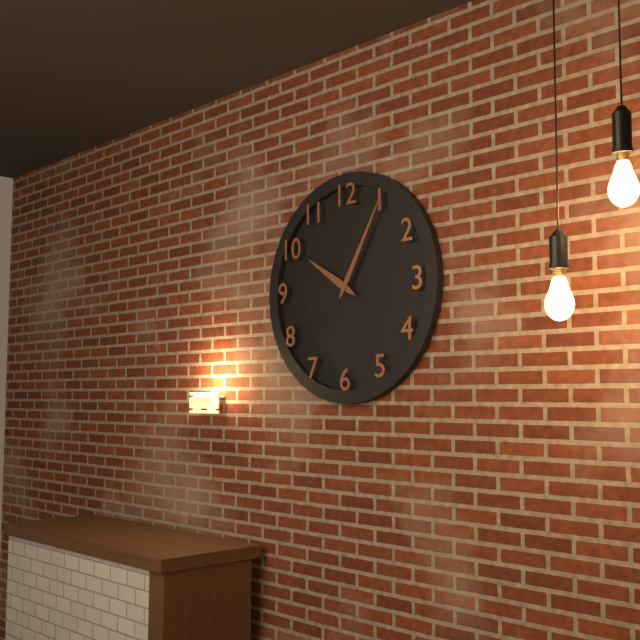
10:05
